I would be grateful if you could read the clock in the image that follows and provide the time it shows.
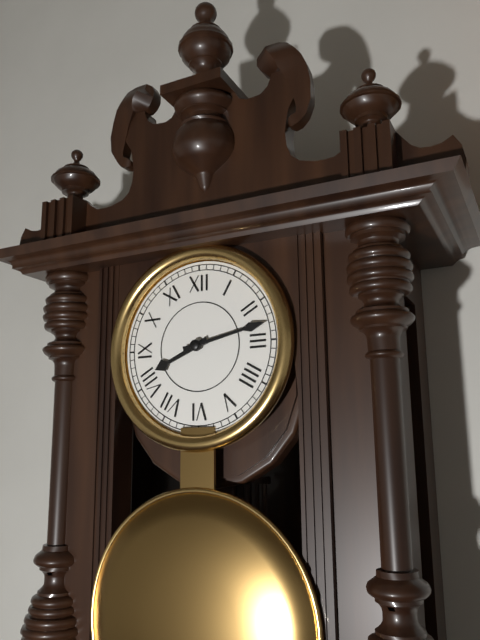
8:13
